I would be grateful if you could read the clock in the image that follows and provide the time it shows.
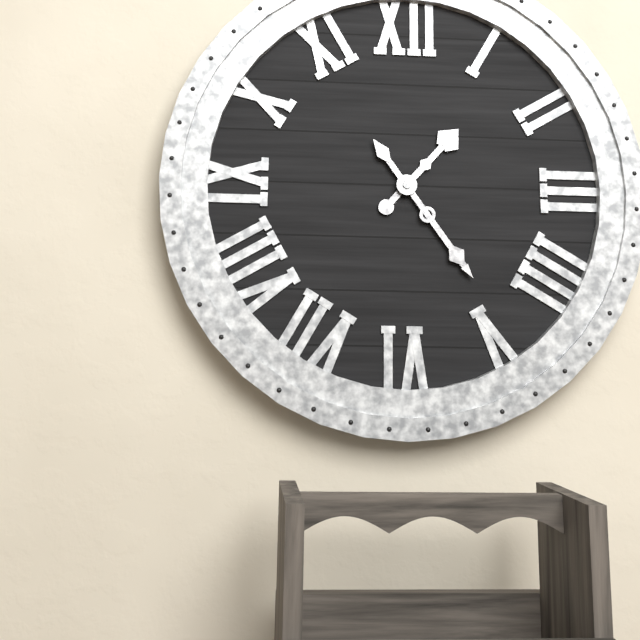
1:24
